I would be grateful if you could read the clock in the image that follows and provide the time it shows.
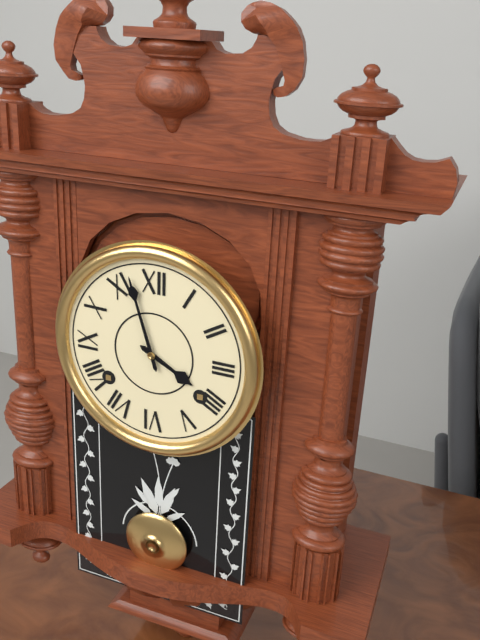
3:57
